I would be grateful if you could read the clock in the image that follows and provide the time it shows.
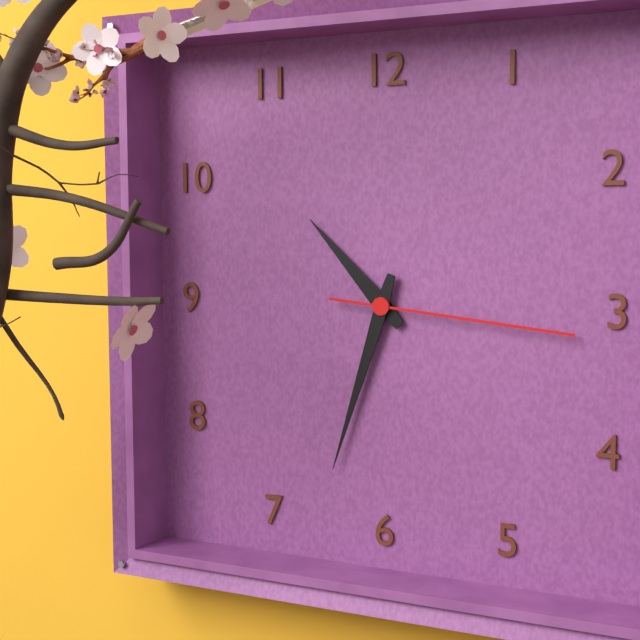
10:33:16
